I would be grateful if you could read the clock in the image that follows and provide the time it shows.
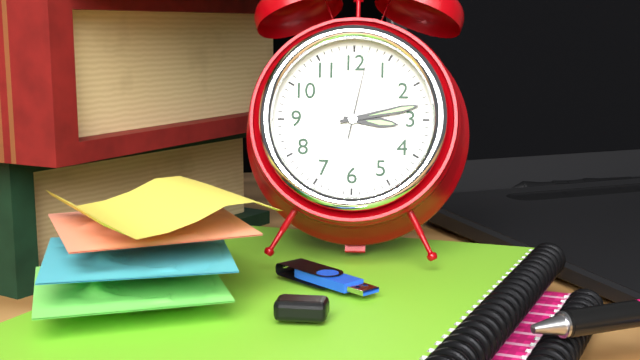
3:13:02
